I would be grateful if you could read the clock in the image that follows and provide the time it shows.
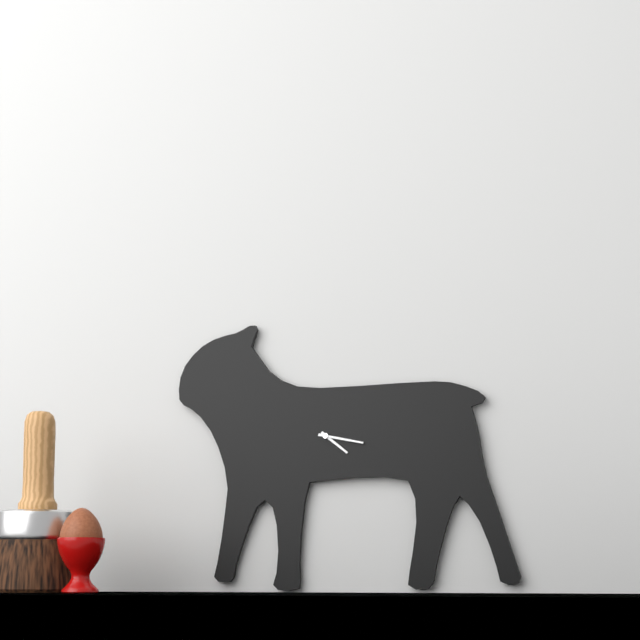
4:17
